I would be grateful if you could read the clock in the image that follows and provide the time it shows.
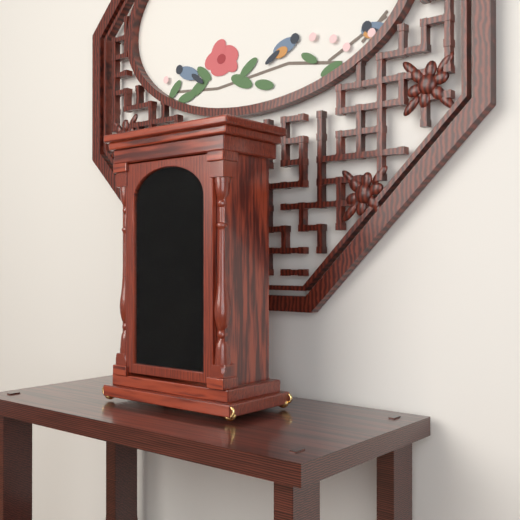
3:08
